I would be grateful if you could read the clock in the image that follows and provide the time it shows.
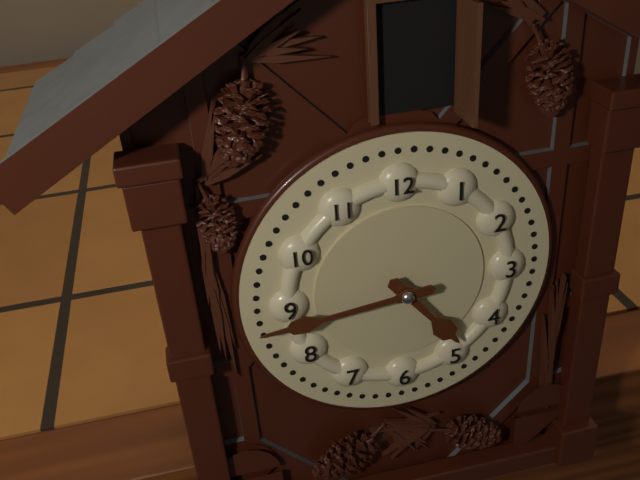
4:44
